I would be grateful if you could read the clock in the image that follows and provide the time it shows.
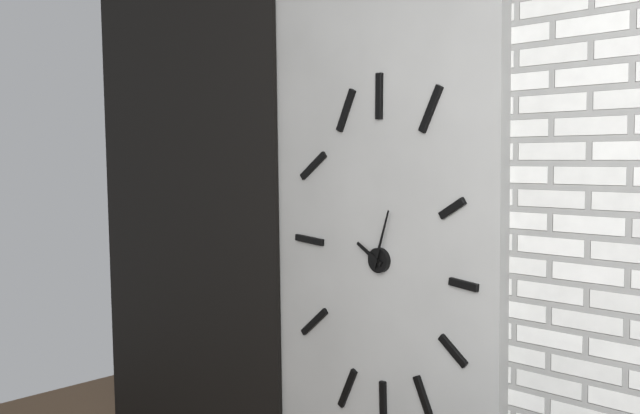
10:03
